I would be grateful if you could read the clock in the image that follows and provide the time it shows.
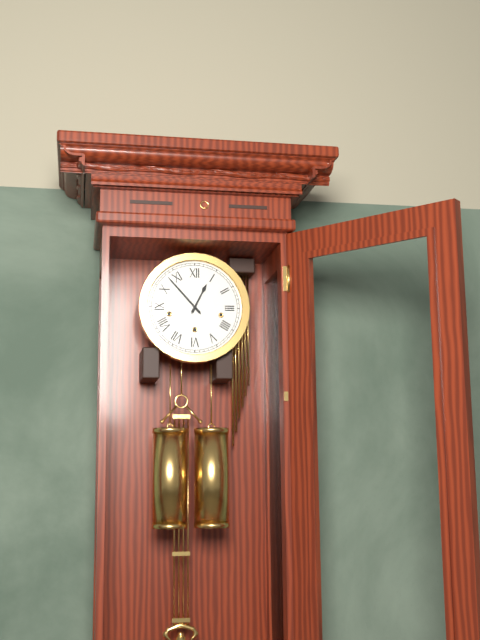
12:53
